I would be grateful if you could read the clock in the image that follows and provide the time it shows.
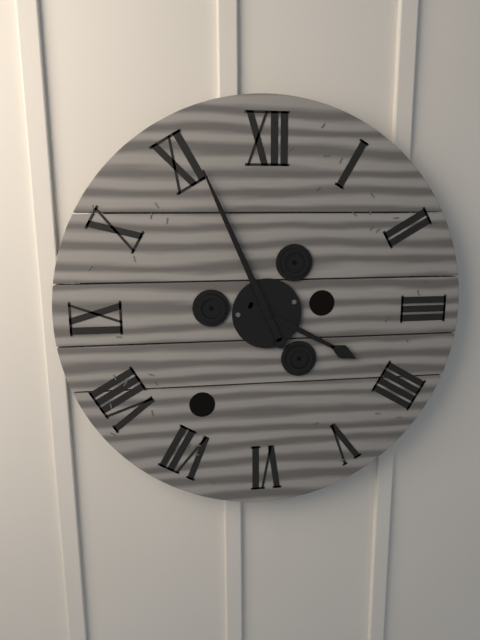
3:56
